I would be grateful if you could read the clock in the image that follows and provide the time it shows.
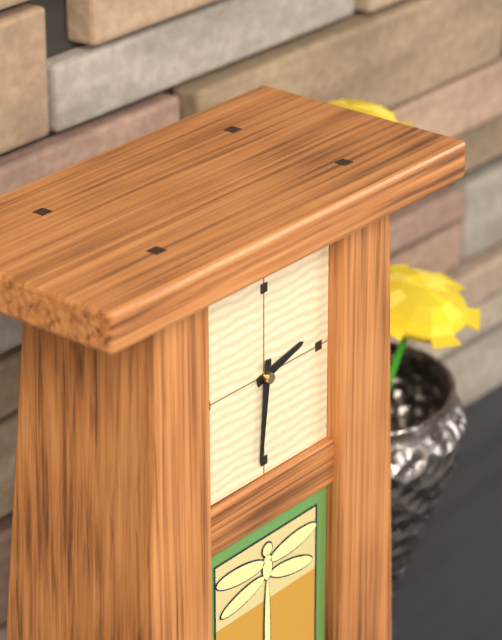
2:31
